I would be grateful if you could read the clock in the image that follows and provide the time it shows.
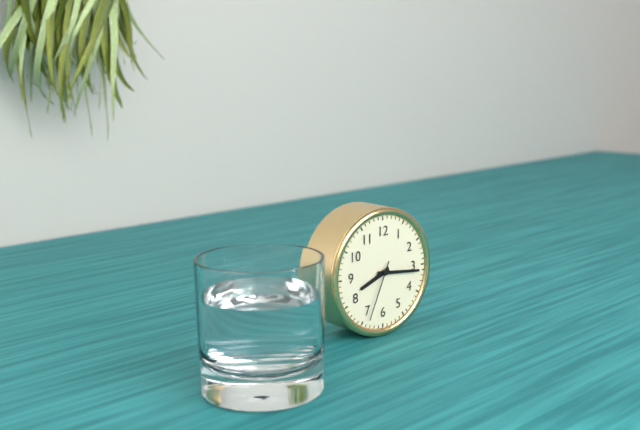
8:16:34
